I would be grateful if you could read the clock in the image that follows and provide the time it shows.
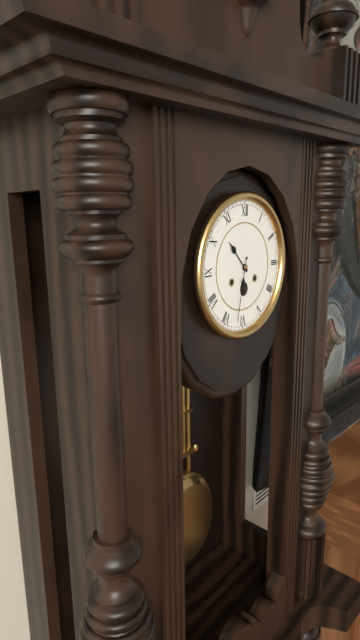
10:32
